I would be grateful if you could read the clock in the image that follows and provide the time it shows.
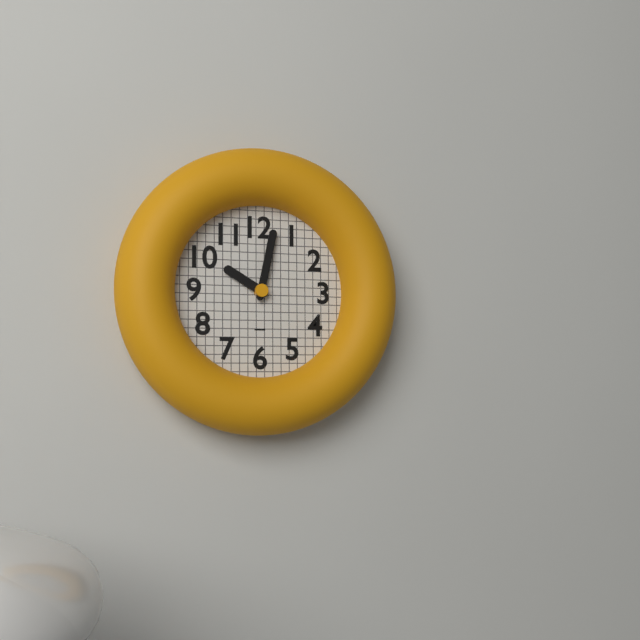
10:02
